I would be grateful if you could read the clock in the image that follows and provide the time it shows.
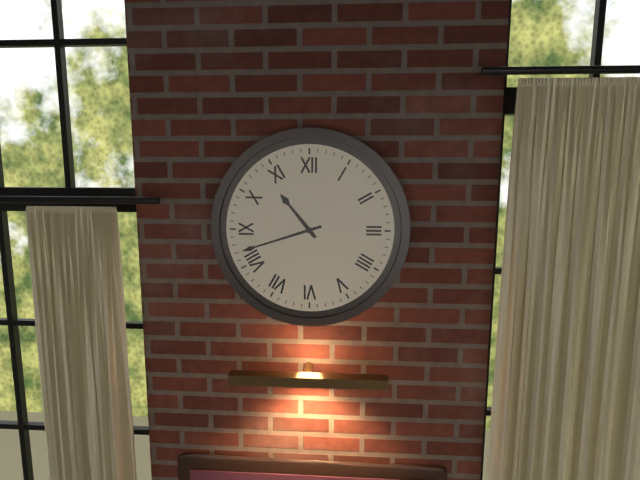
10:42
